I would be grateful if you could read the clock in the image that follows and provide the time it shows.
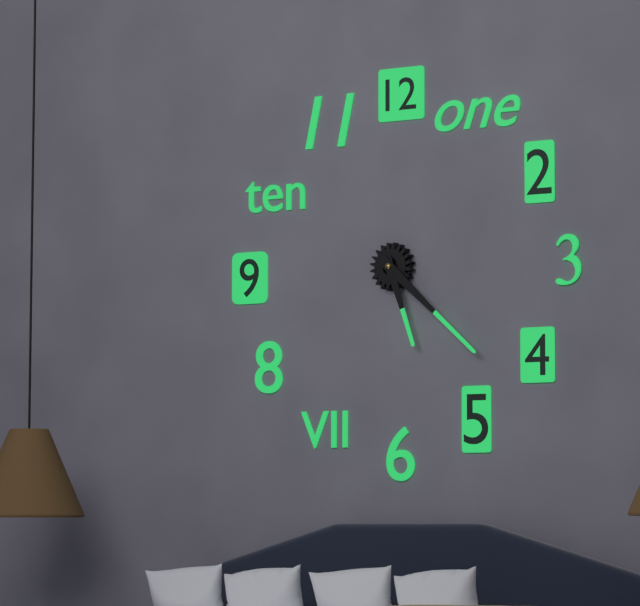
5:22
